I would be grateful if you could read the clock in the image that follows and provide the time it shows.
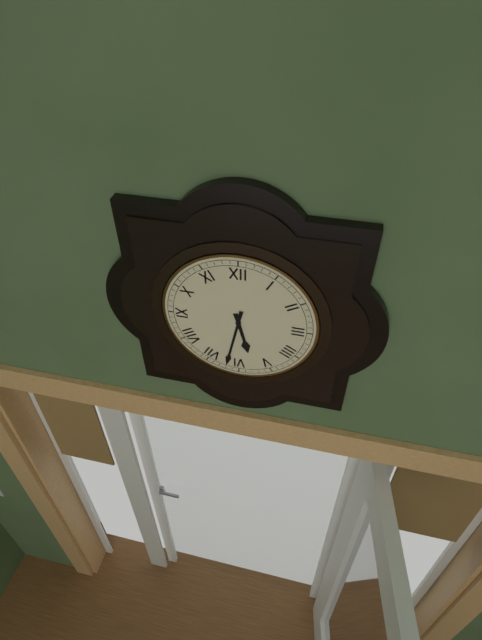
5:32
